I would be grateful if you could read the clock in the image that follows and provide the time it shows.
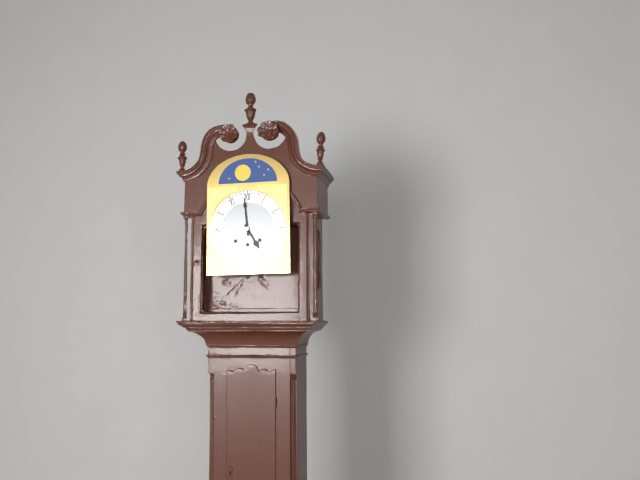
4:59
